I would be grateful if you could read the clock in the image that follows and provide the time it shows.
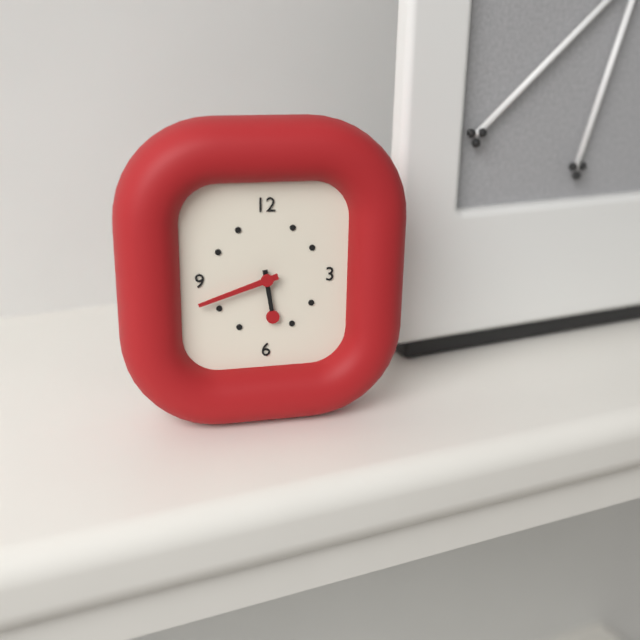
5:42
